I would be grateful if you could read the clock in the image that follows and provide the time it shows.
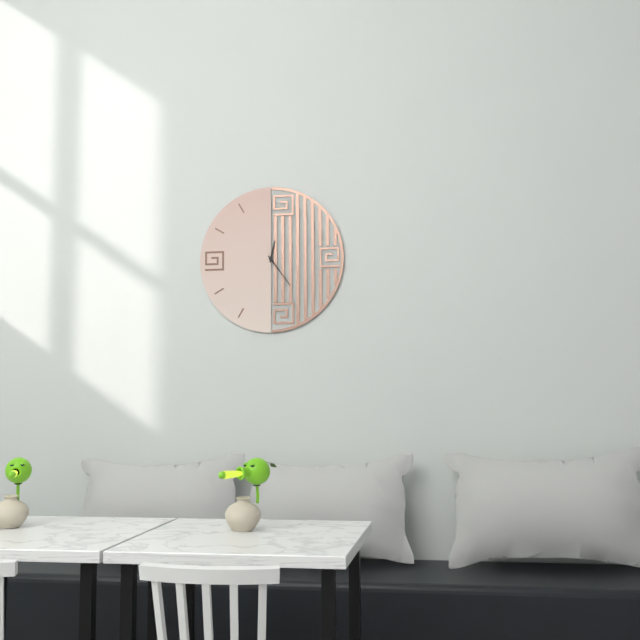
12:24
